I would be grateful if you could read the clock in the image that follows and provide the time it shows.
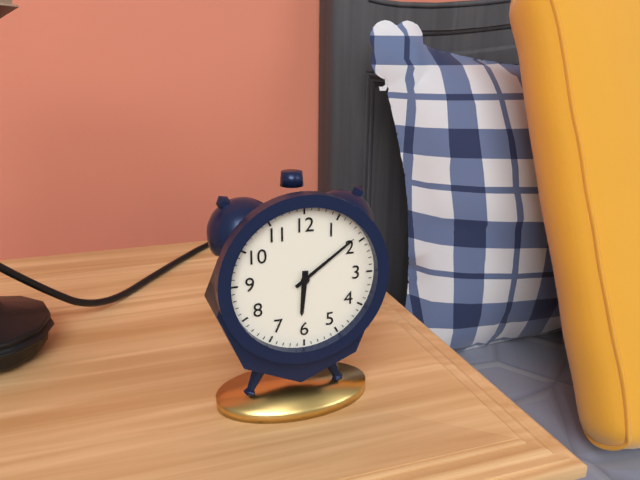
6:09
